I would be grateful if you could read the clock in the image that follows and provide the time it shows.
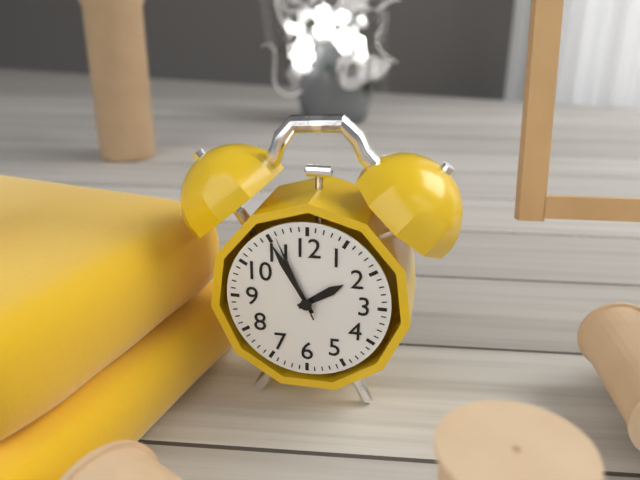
1:55:56
